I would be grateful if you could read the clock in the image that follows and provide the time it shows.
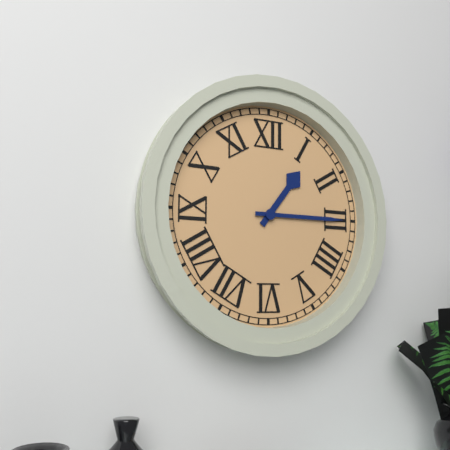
1:15
